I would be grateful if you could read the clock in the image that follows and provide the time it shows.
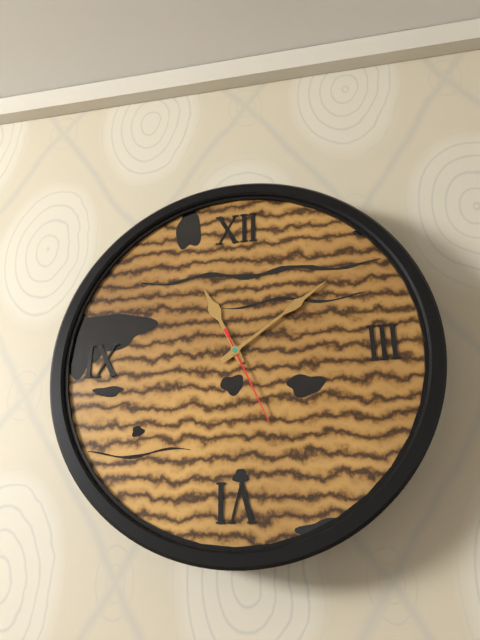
11:09:26
